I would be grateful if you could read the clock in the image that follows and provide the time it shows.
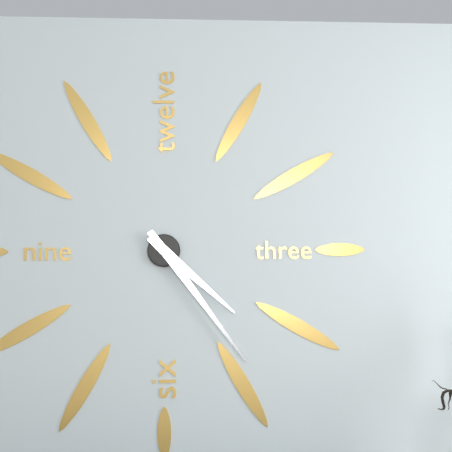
4:24
